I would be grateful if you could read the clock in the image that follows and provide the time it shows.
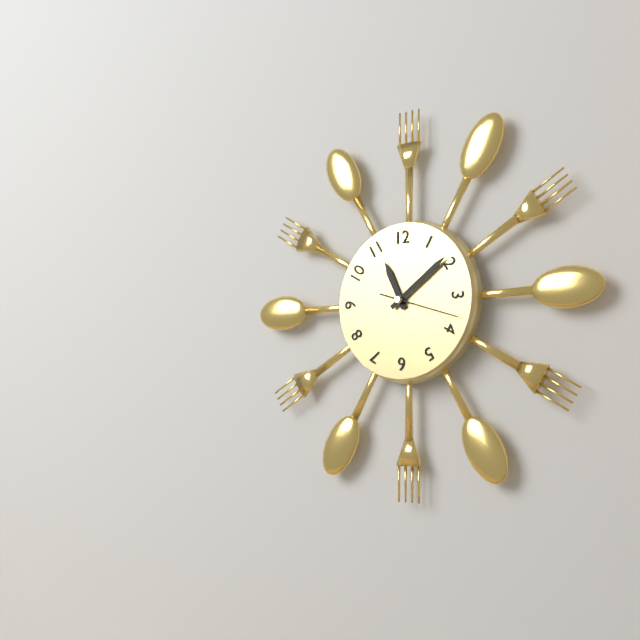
11:09:18
